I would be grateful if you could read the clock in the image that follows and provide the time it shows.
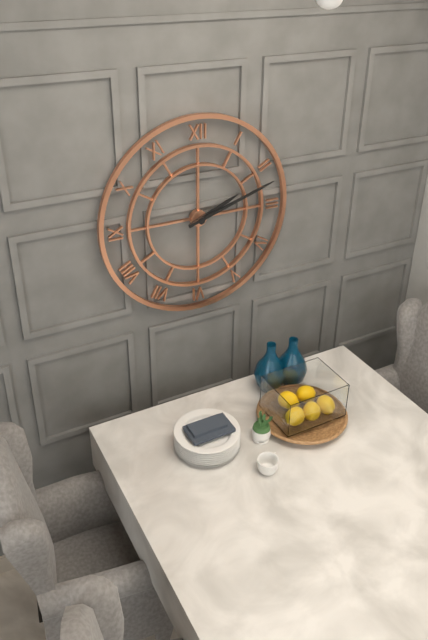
2:12
